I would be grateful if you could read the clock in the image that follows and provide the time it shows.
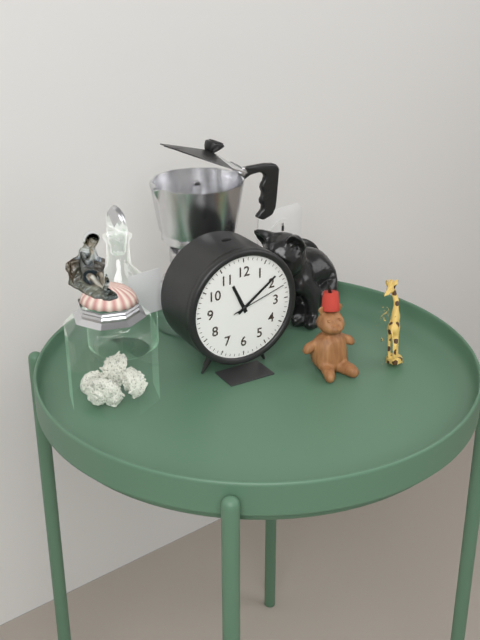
11:09:12
